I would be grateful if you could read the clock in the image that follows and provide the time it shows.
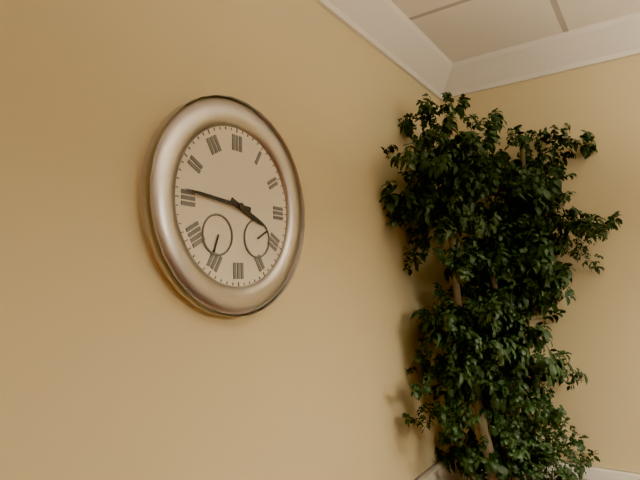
3:46
